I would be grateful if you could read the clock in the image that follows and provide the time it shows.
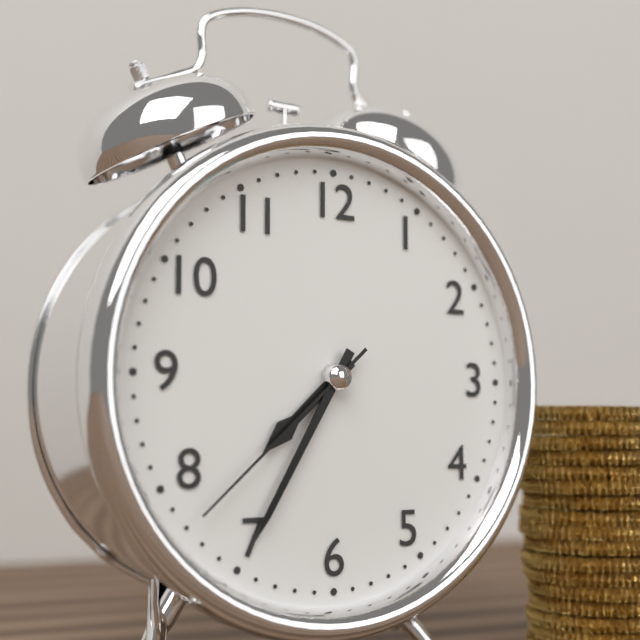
7:35:38
